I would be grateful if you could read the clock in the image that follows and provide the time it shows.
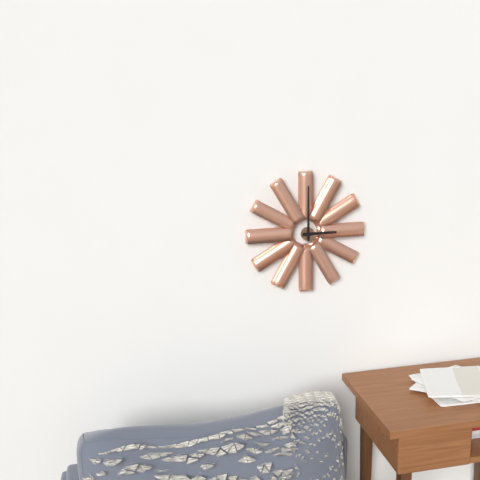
3:00
